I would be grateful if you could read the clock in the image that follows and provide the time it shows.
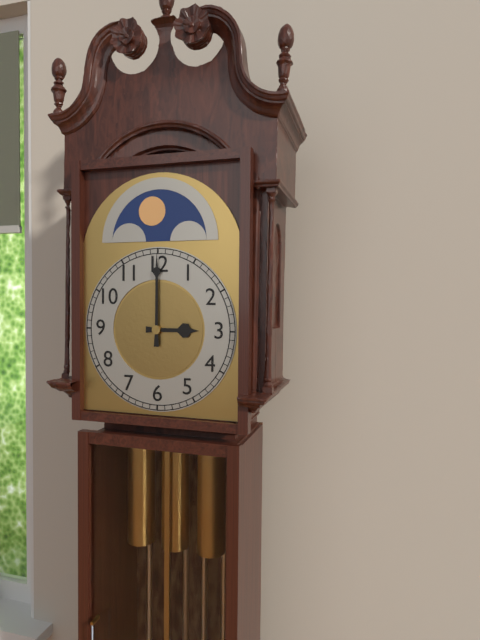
3:00
